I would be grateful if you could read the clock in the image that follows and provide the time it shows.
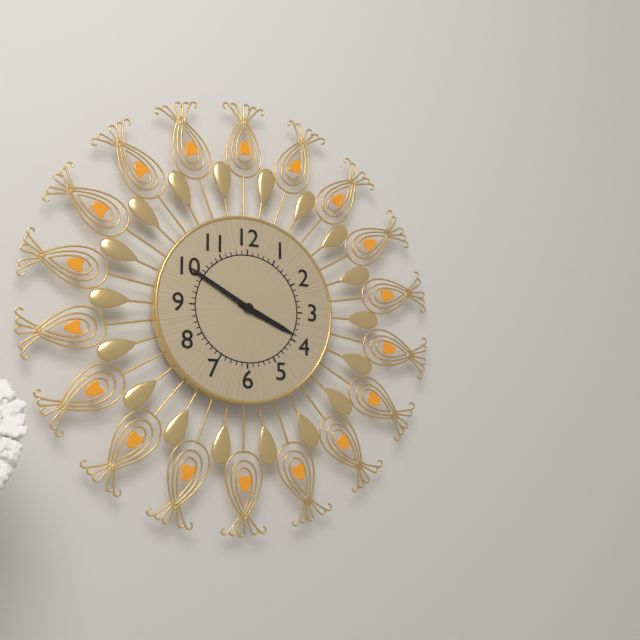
3:50
